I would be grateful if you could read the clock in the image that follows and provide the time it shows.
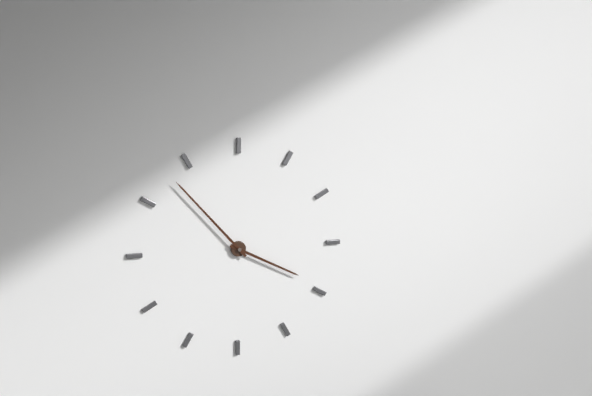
3:53
